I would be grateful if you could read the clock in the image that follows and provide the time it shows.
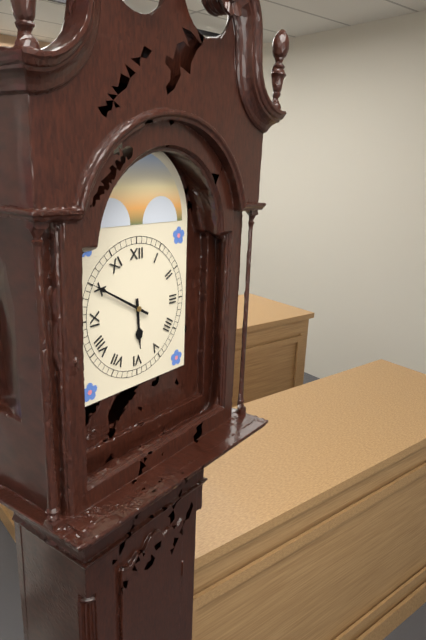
5:50
